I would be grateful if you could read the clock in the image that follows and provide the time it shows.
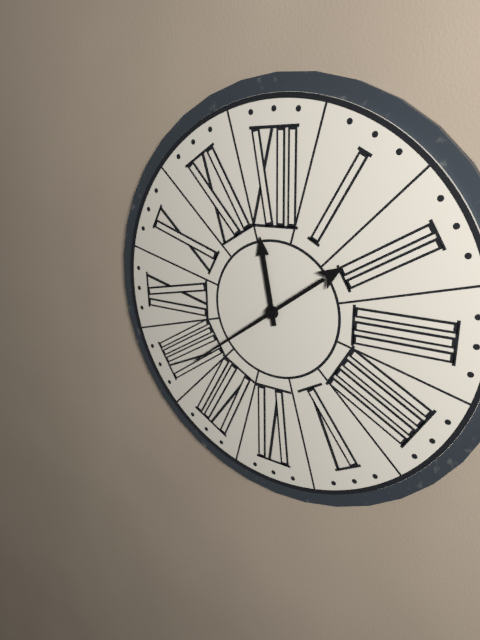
11:39
